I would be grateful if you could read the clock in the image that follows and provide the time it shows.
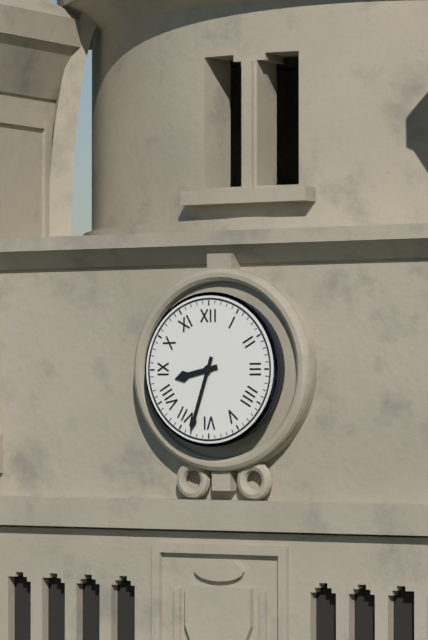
8:33
